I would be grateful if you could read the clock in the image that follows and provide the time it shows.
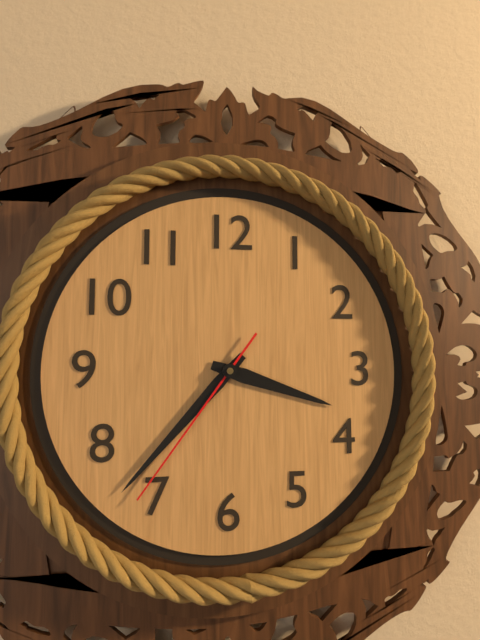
3:37:36
